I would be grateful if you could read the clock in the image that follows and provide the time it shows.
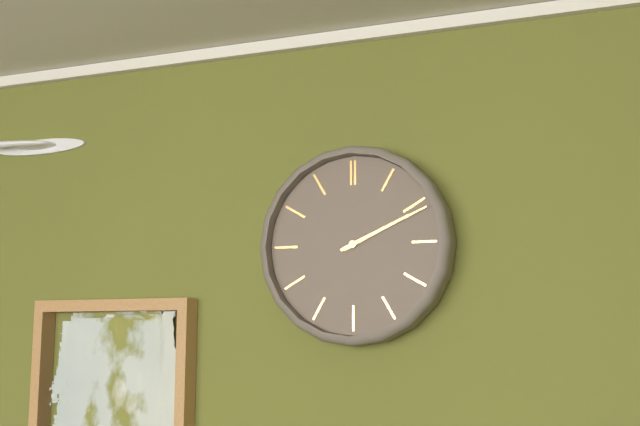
2:11
